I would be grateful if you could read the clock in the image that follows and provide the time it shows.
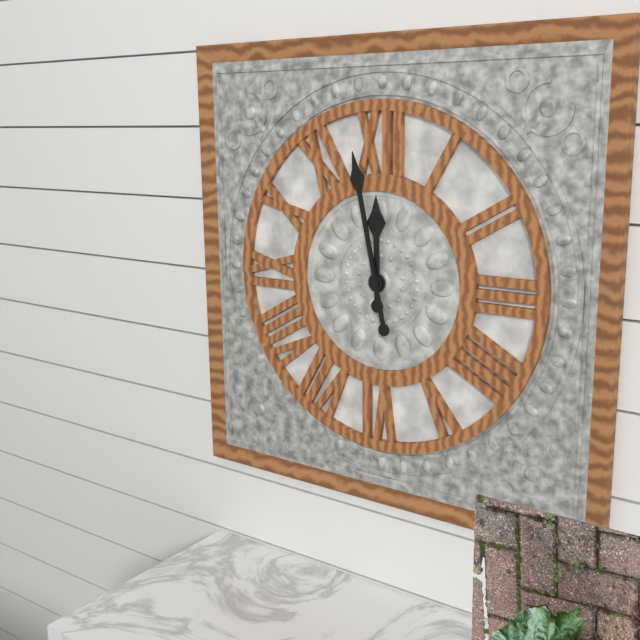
11:58
